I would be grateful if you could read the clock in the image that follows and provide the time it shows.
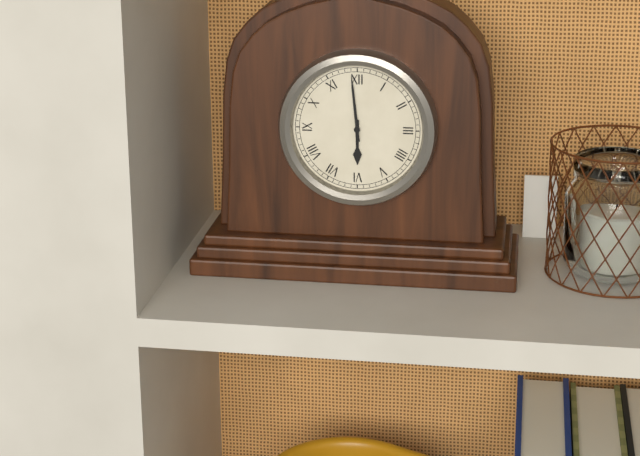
5:59
